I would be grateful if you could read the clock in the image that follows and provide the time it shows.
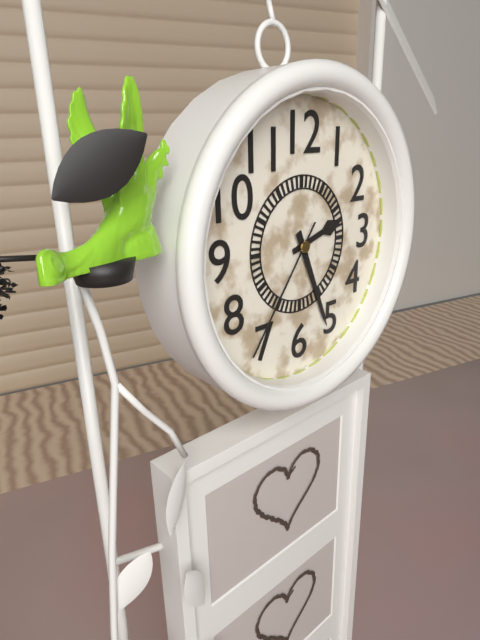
2:26:36
